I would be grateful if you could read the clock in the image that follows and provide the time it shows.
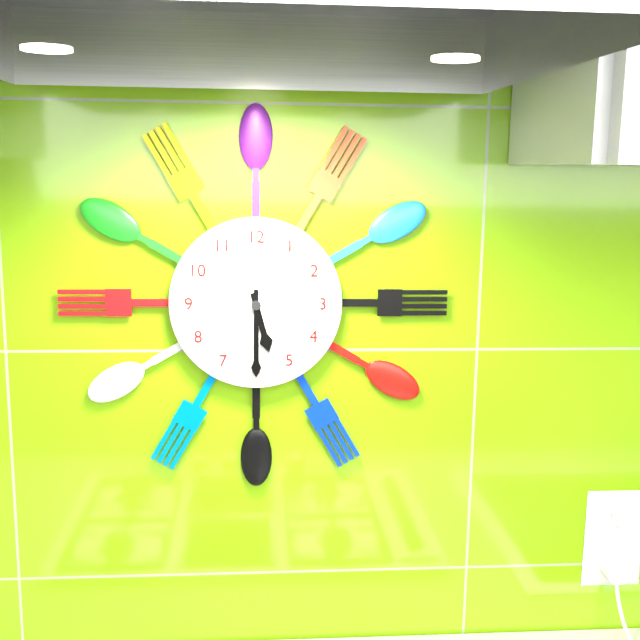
5:30
